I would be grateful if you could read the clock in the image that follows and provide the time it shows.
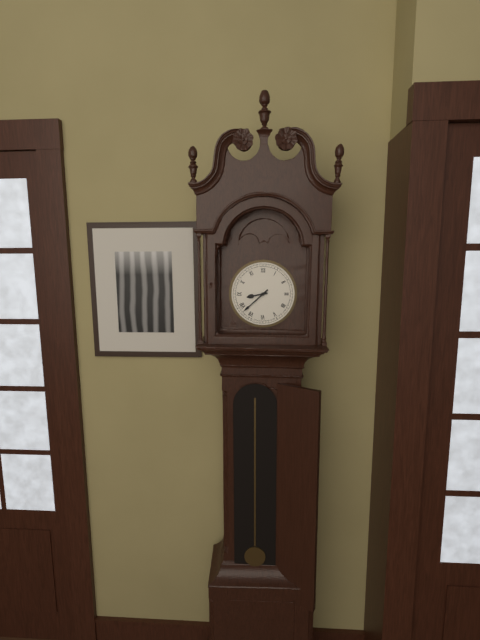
8:38
